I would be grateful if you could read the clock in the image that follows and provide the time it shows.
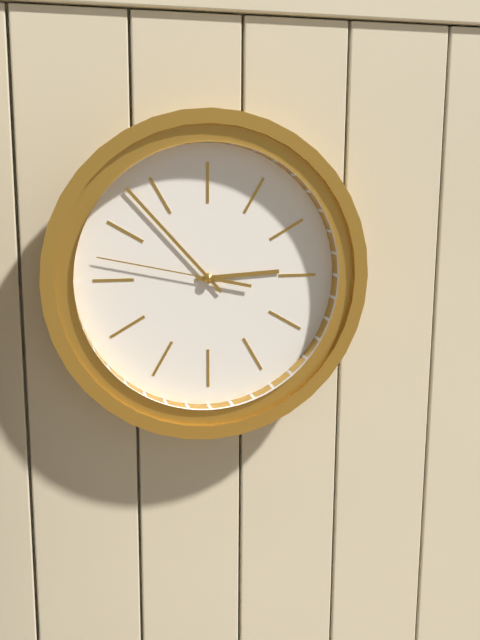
2:53:47
